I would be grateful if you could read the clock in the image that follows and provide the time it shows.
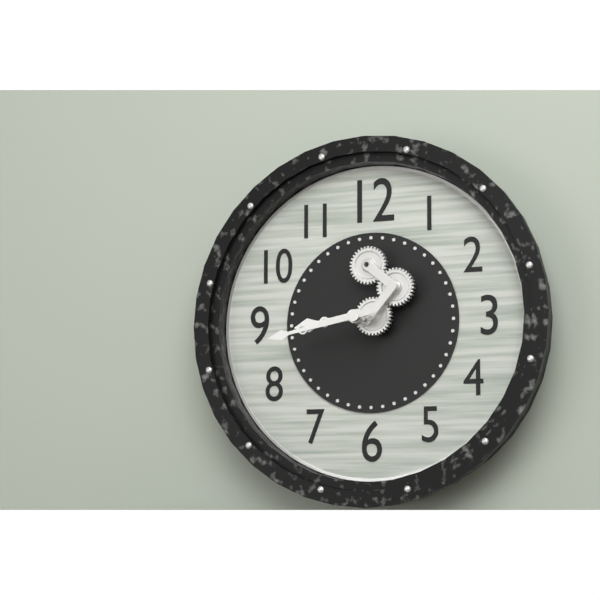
8:43
